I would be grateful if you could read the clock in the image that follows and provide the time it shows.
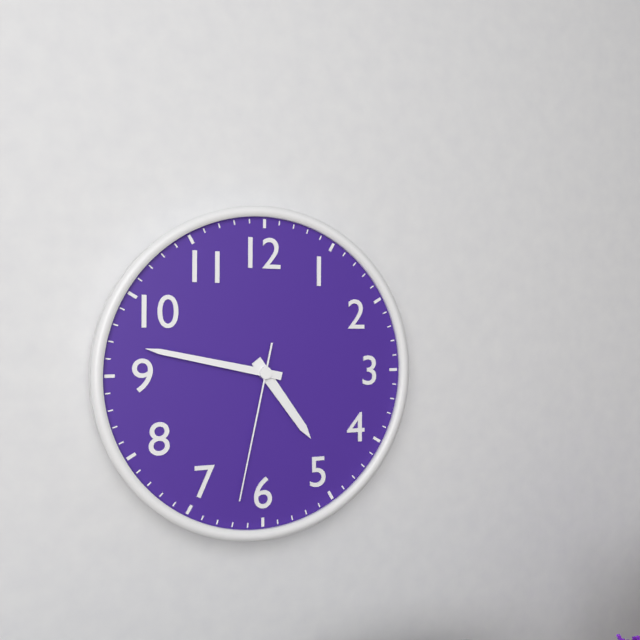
4:47:32
